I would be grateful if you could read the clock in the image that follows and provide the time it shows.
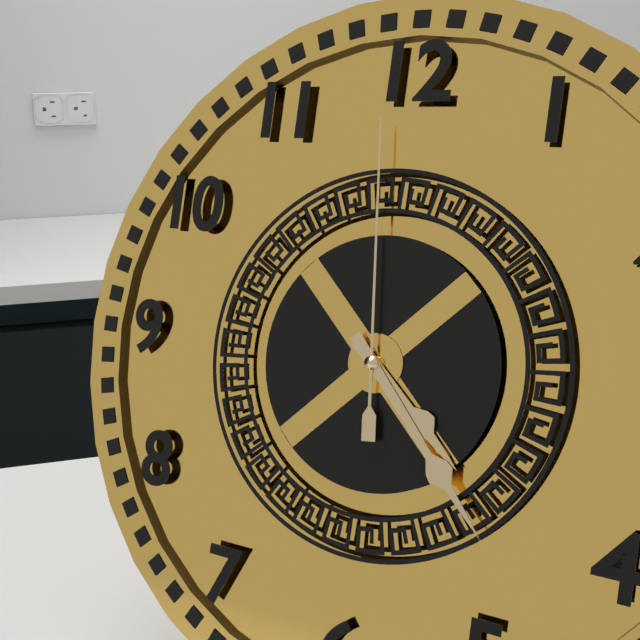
4:23:59
